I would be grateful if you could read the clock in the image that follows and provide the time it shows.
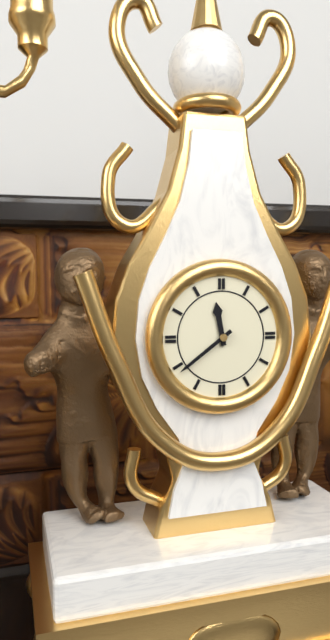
11:39
